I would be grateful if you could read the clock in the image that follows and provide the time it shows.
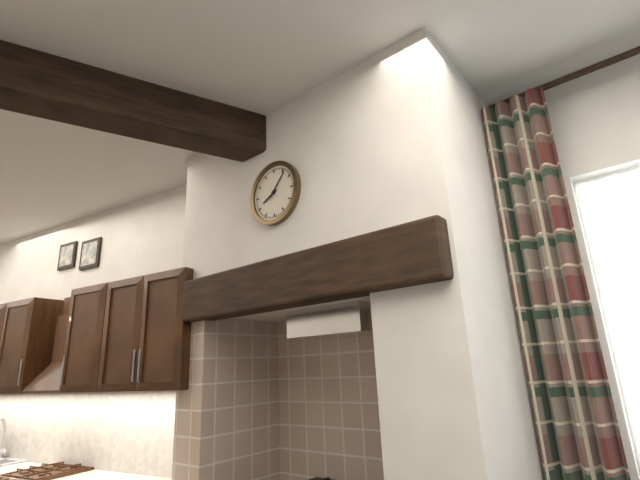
8:07
